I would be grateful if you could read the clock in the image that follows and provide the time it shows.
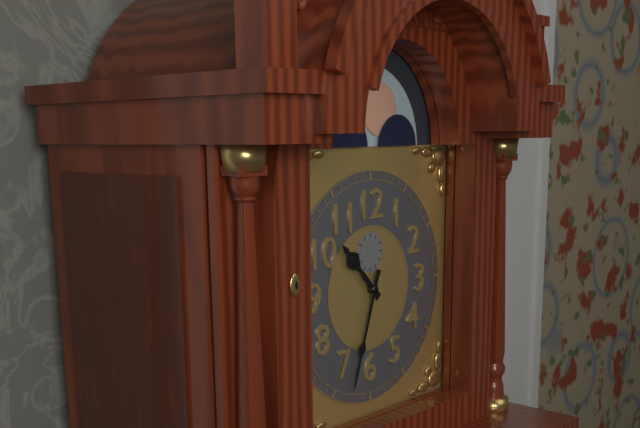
10:33
